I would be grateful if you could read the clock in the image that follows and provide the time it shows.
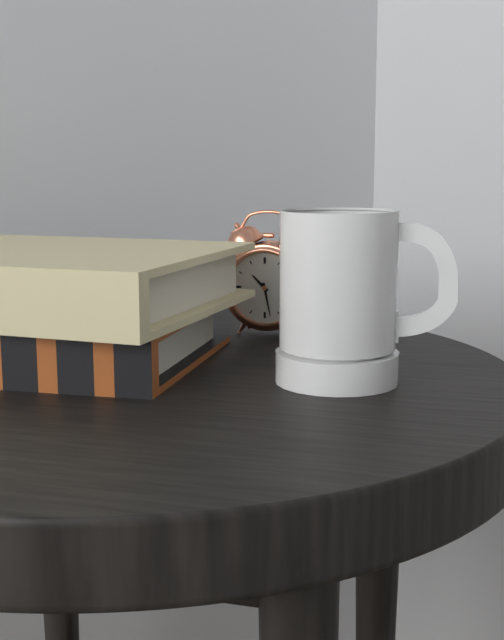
10:28
